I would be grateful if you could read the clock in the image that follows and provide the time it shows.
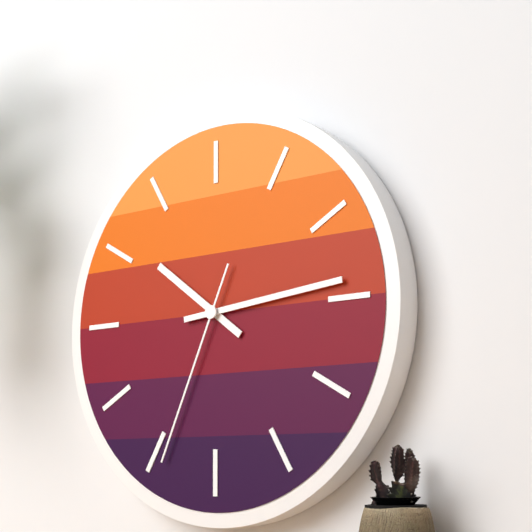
10:14:34
